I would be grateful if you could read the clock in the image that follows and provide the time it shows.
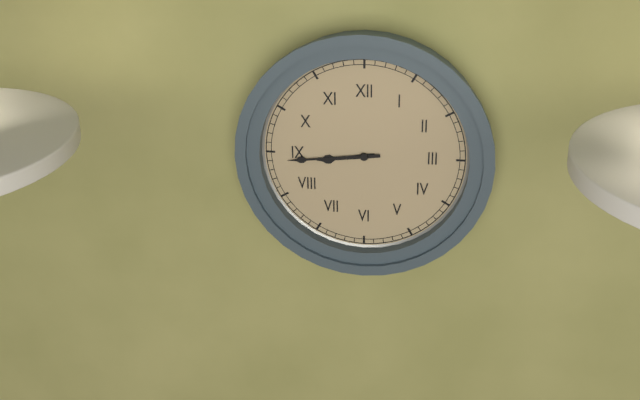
8:44
